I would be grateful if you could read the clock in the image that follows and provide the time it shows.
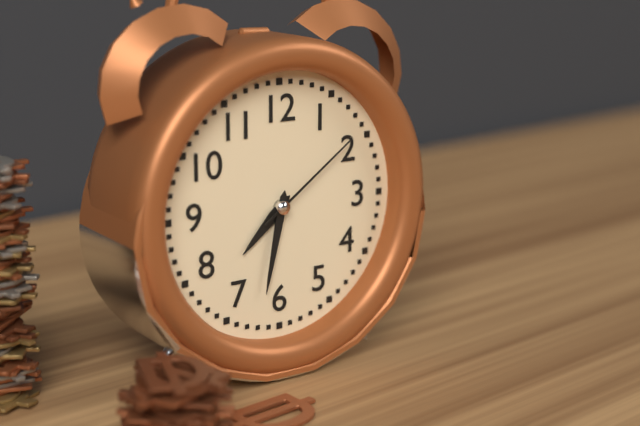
7:32:09
